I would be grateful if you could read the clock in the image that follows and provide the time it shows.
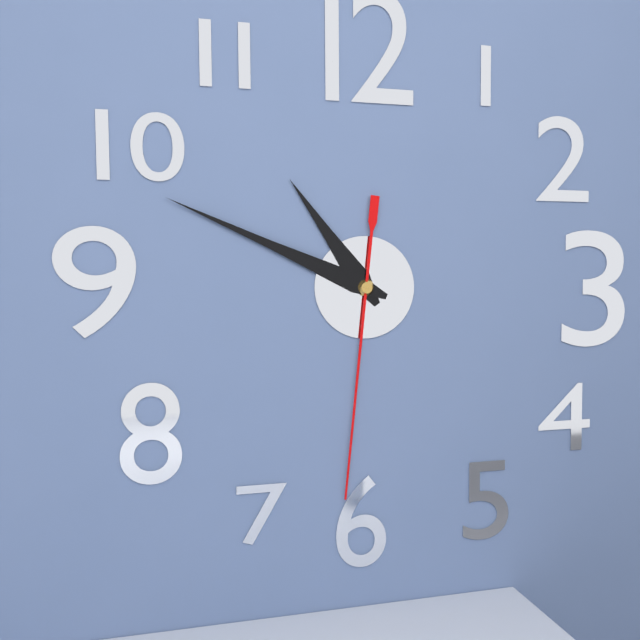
10:49:31
